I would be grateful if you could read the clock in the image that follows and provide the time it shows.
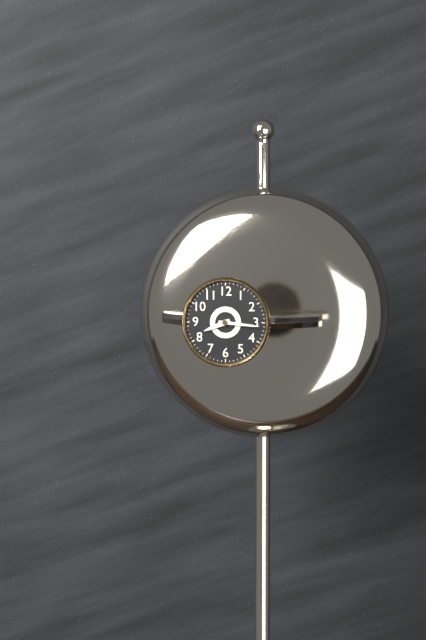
8:16
